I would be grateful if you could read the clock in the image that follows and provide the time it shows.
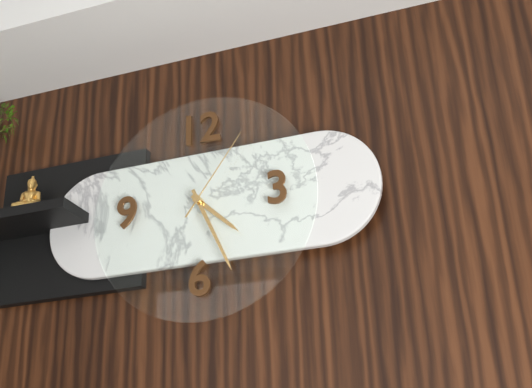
4:26:06
